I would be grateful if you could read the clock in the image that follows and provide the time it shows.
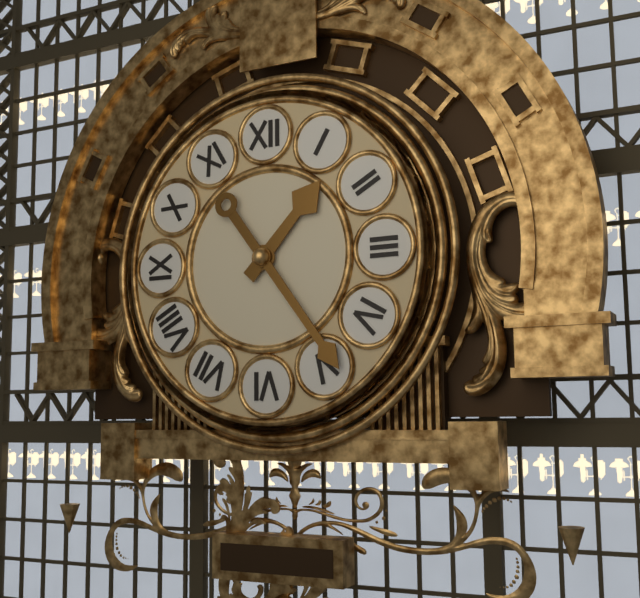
1:24
